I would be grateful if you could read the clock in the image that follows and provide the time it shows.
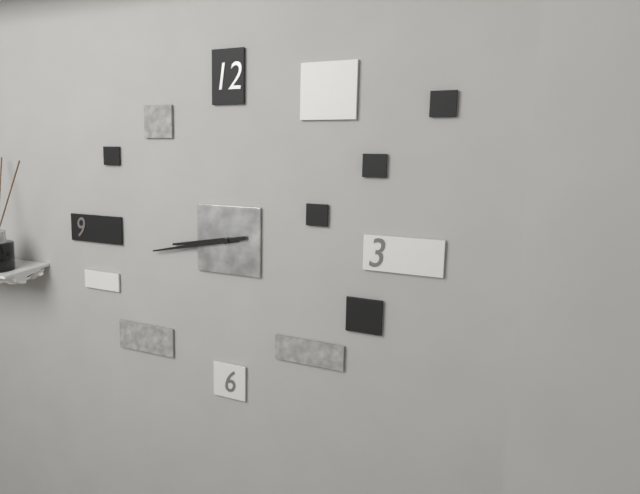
8:43
